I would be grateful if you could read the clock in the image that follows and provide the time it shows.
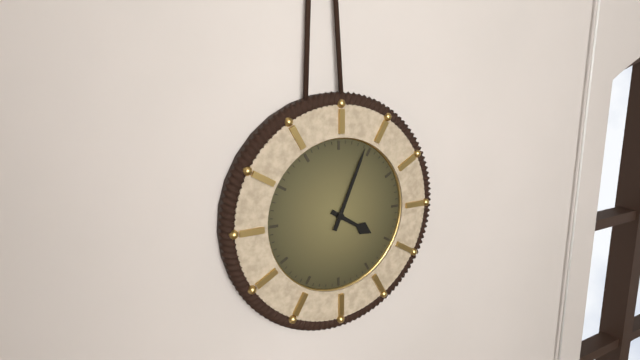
4:04
